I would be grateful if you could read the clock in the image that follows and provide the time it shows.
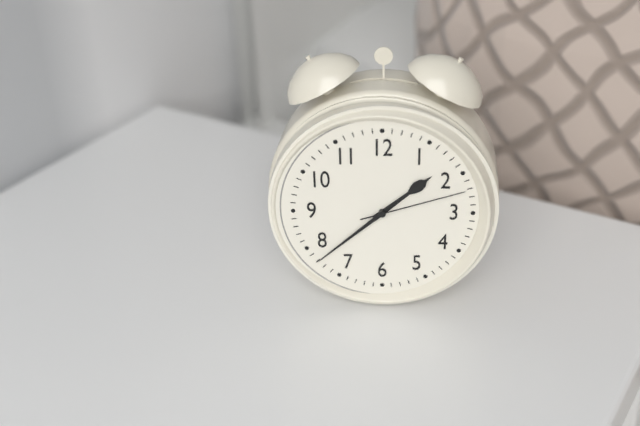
1:38:12
